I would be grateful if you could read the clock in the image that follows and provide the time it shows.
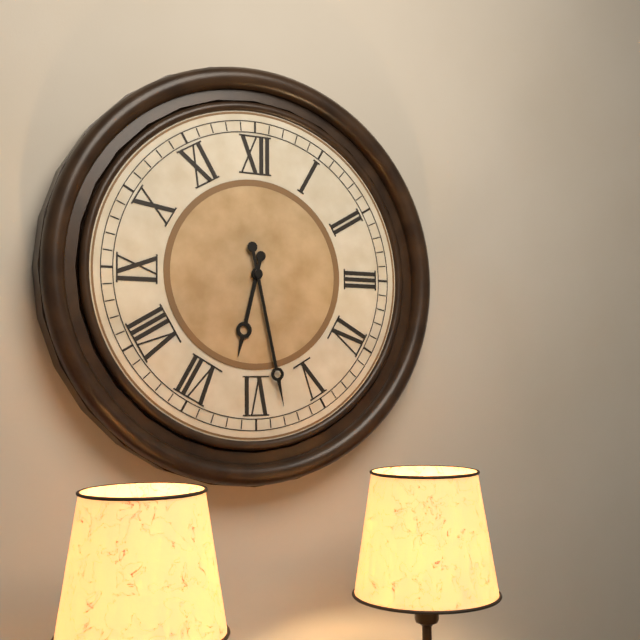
6:28
